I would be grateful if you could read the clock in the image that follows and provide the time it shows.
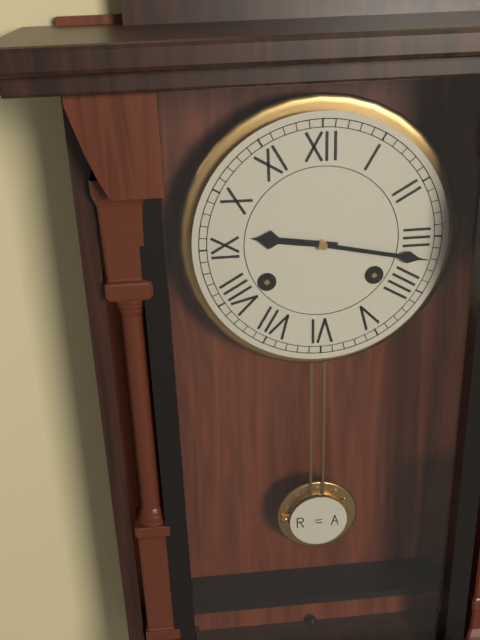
9:17
